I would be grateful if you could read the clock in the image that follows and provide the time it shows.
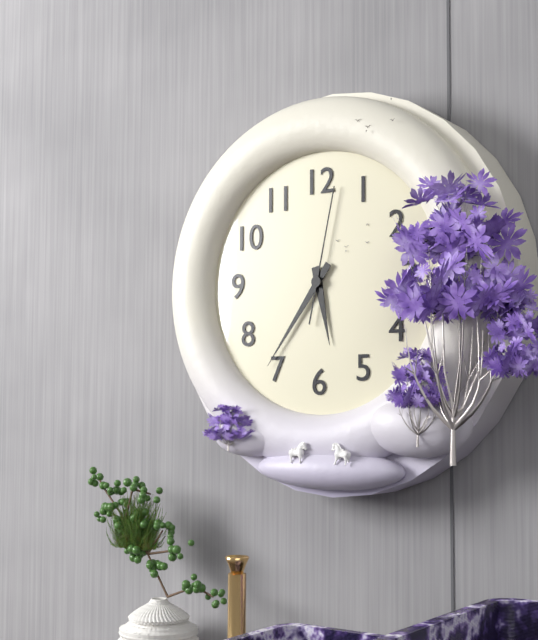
5:36:02
